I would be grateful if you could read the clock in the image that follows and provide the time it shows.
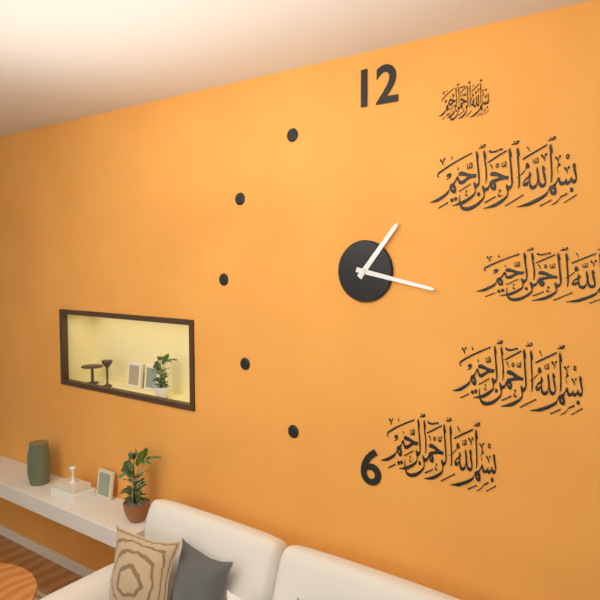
1:17
